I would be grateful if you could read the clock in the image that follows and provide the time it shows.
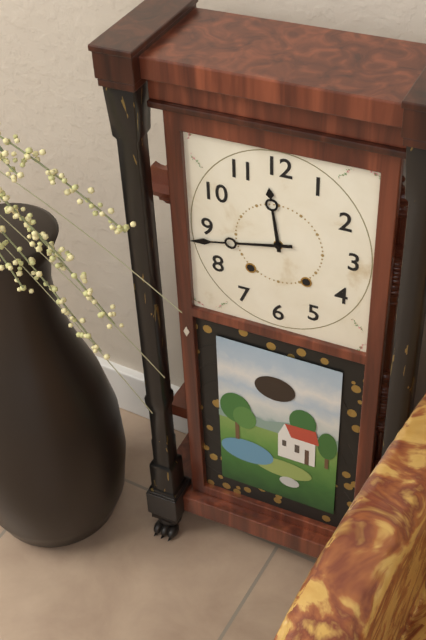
11:43
